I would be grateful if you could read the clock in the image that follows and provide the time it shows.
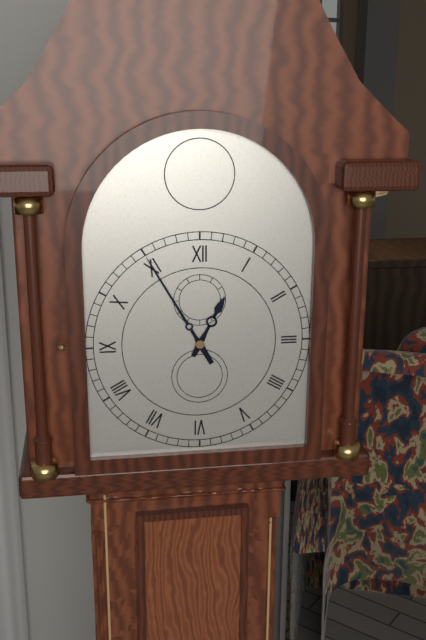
12:55
